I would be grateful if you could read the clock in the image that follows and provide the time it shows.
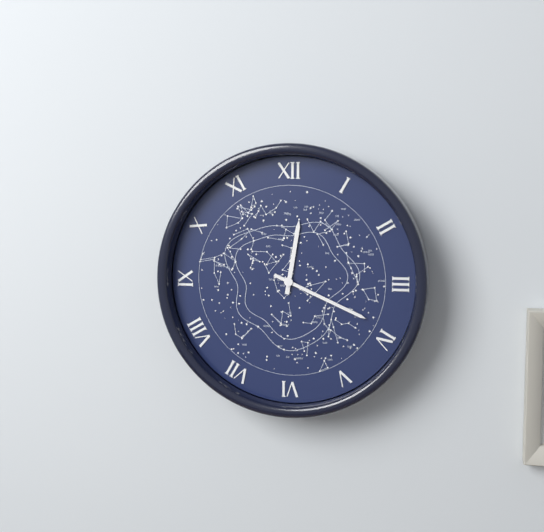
12:19
